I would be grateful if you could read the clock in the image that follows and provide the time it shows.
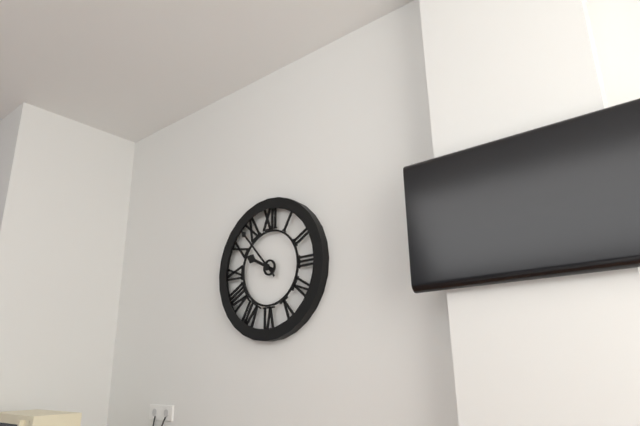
9:53
